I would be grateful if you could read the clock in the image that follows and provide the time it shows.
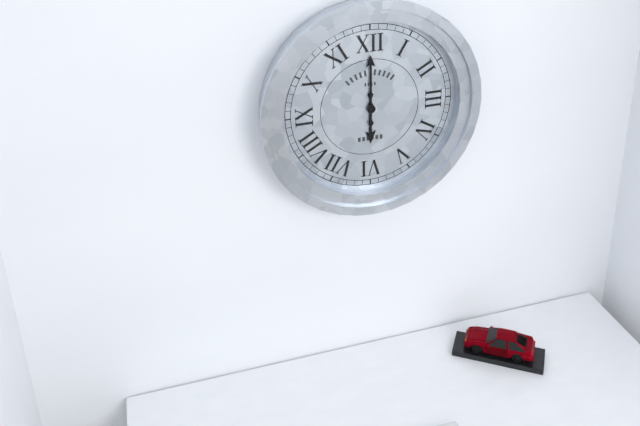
6:00
